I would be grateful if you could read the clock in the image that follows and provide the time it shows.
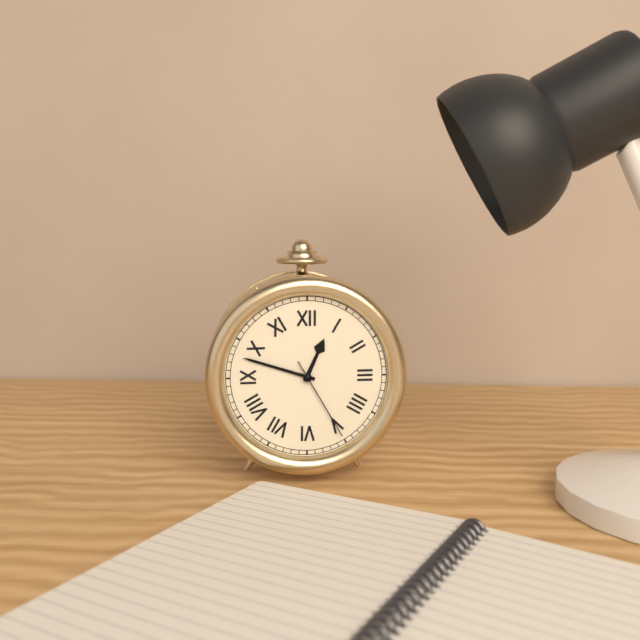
12:48:25
